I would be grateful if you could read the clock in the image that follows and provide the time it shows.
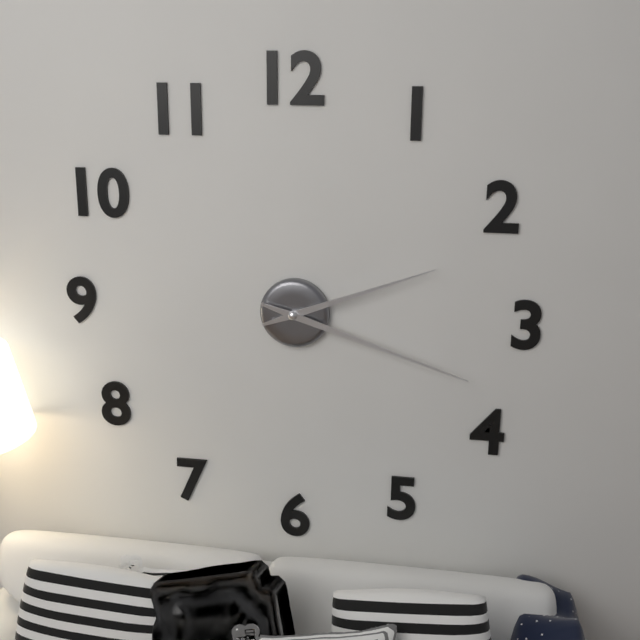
2:18
